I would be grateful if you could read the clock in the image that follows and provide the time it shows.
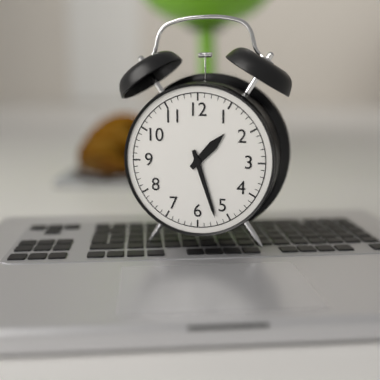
1:27
